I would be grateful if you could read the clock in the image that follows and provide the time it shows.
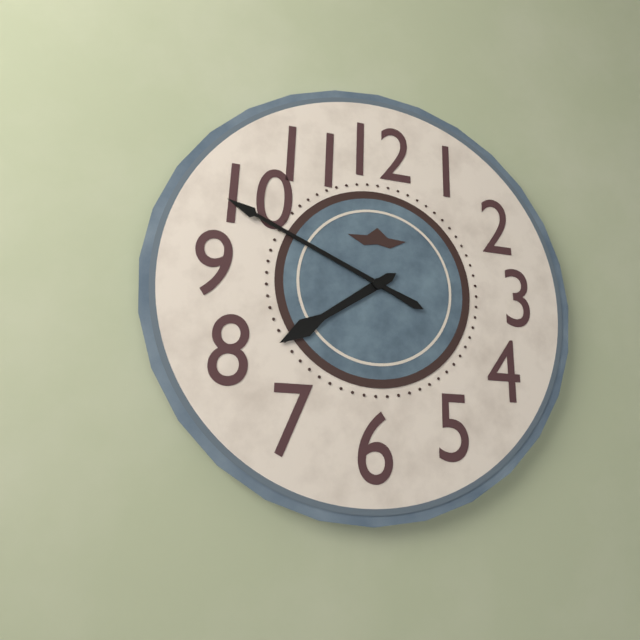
7:49
